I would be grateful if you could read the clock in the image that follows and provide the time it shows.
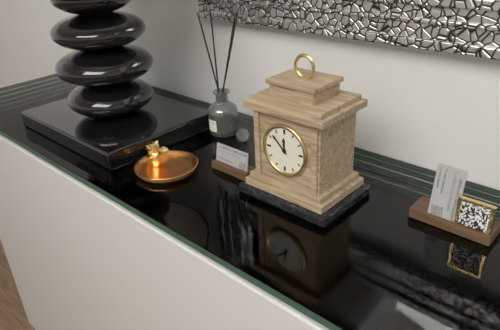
11:52
